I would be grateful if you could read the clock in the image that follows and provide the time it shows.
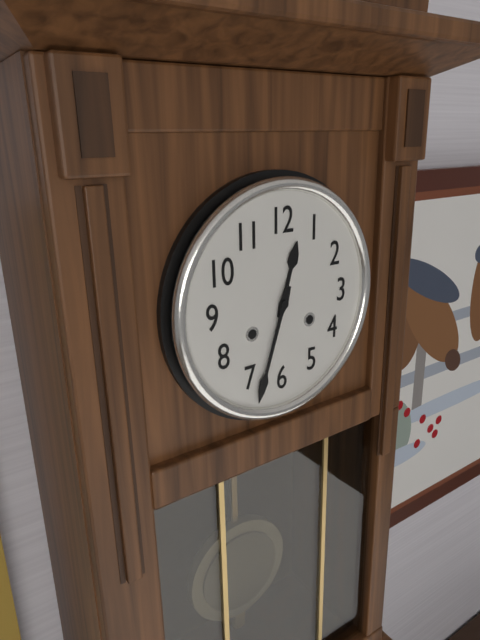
12:33
